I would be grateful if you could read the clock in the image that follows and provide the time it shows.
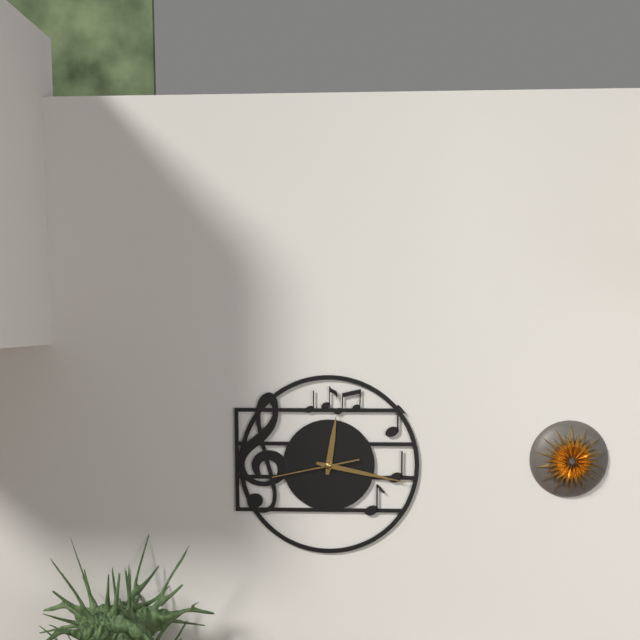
12:17:43
